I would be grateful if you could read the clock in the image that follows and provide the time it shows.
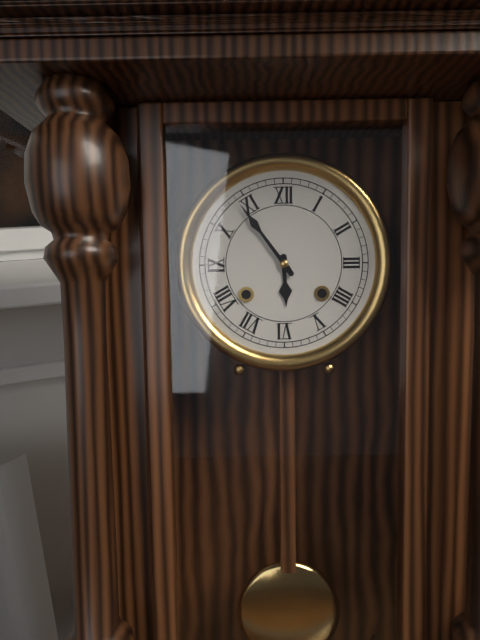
5:54
